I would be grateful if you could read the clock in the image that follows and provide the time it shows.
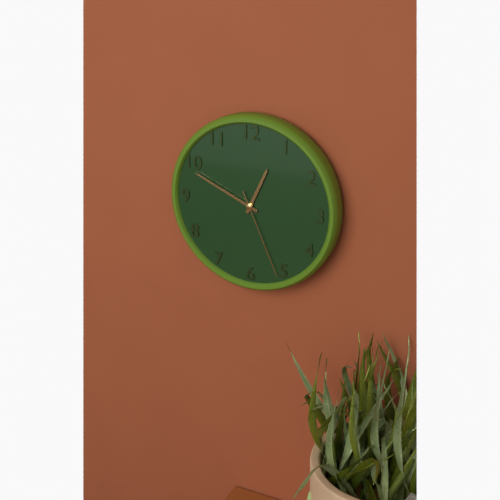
12:49:26
